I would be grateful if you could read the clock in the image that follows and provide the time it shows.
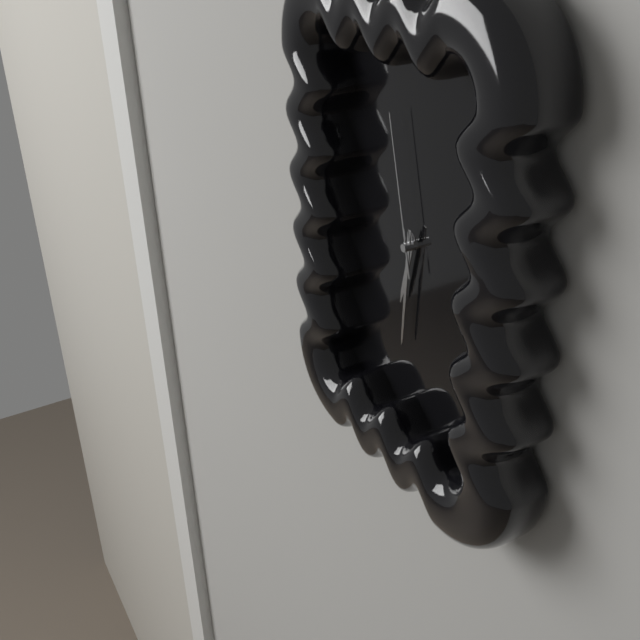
6:31:58
